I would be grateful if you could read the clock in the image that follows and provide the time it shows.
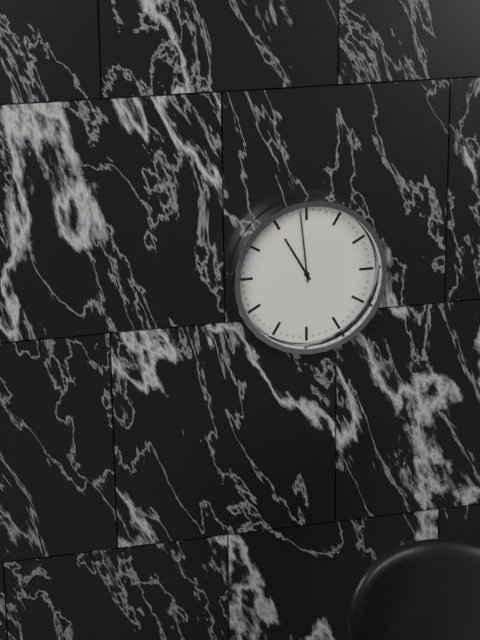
10:59
